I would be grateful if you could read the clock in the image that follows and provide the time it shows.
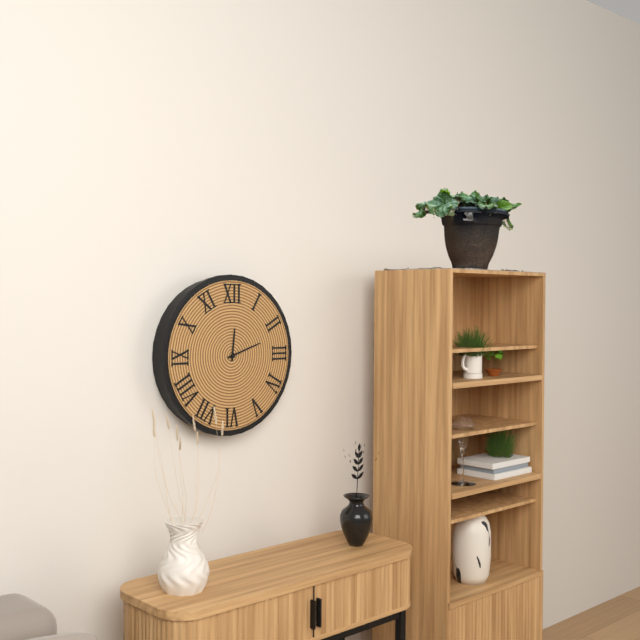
12:12
